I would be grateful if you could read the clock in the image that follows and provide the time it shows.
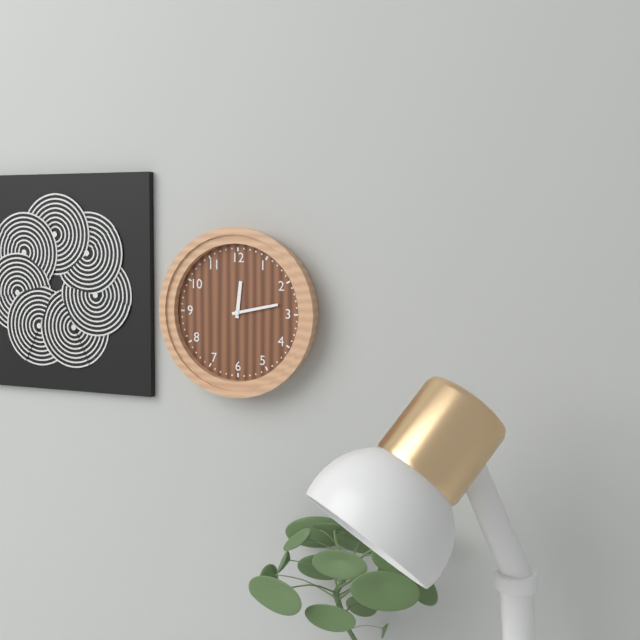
12:13
